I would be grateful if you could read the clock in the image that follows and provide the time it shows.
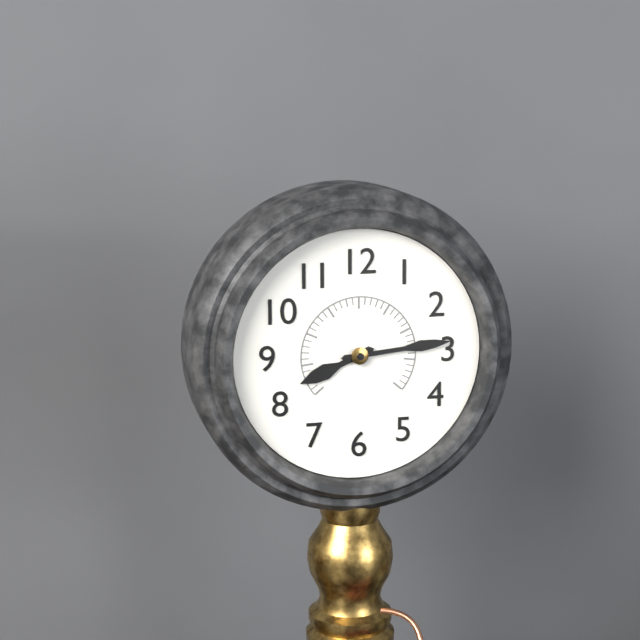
8:14
